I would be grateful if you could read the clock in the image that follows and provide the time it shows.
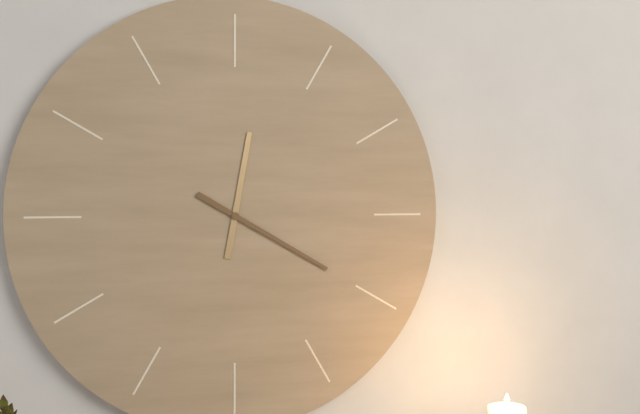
12:20
